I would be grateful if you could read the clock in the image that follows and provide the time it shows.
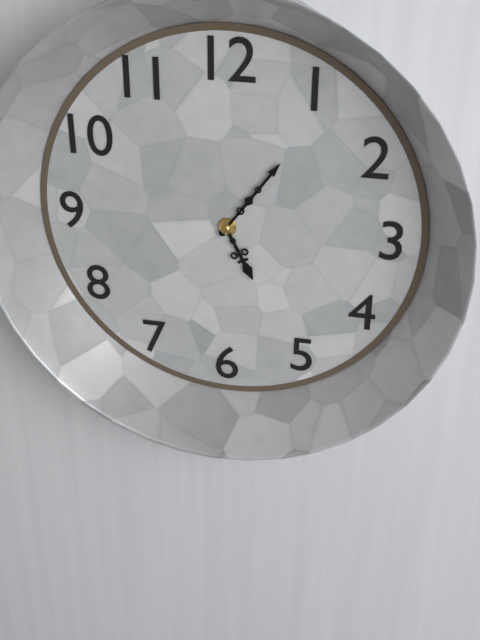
5:06
